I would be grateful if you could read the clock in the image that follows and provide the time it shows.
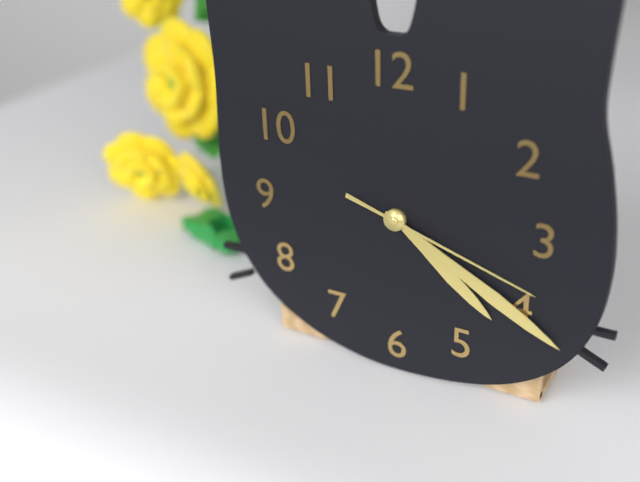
4:20:18
